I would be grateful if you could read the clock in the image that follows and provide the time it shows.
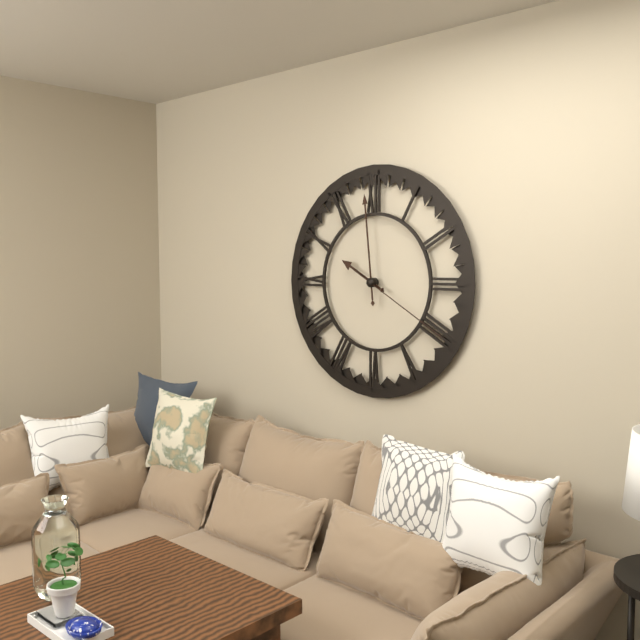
9:59:20
